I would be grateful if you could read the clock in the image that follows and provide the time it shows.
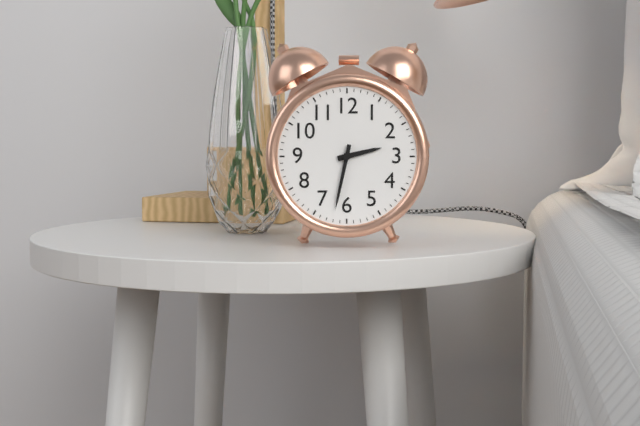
2:32
